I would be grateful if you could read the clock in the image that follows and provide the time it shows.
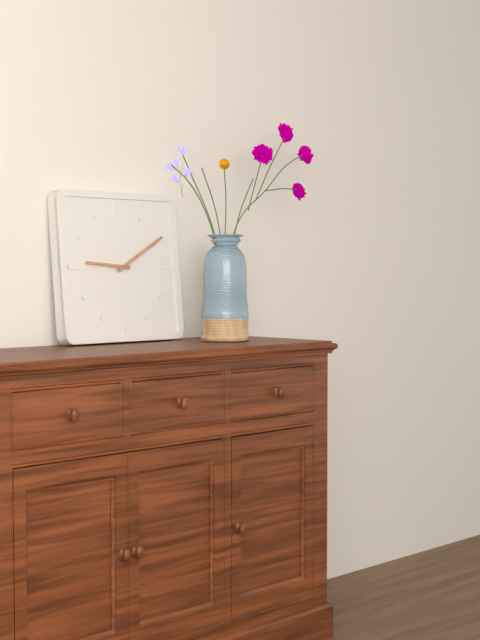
9:10
